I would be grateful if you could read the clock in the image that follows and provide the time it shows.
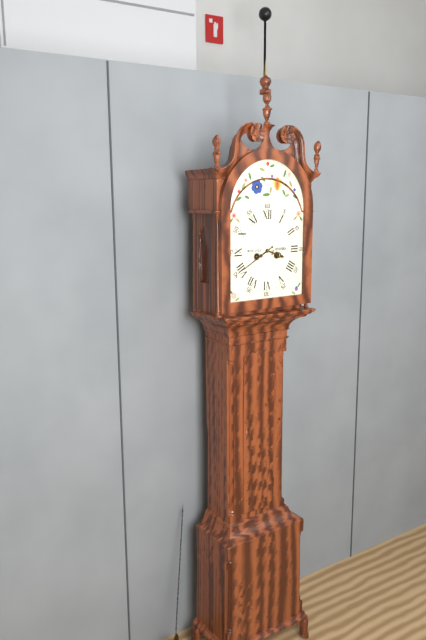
3:40
